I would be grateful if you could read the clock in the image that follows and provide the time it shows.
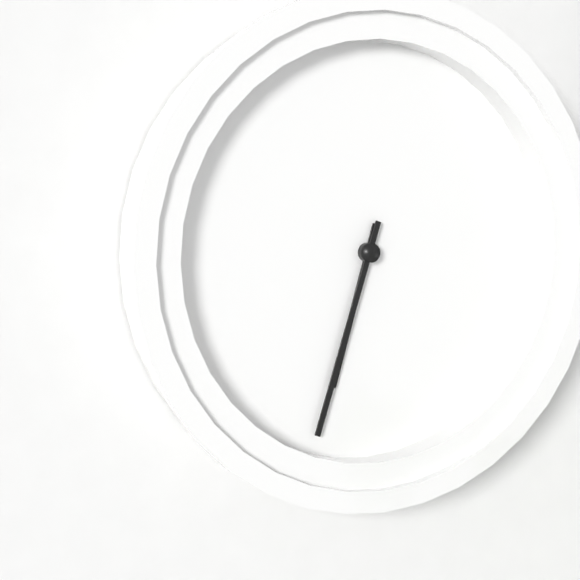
6:33
